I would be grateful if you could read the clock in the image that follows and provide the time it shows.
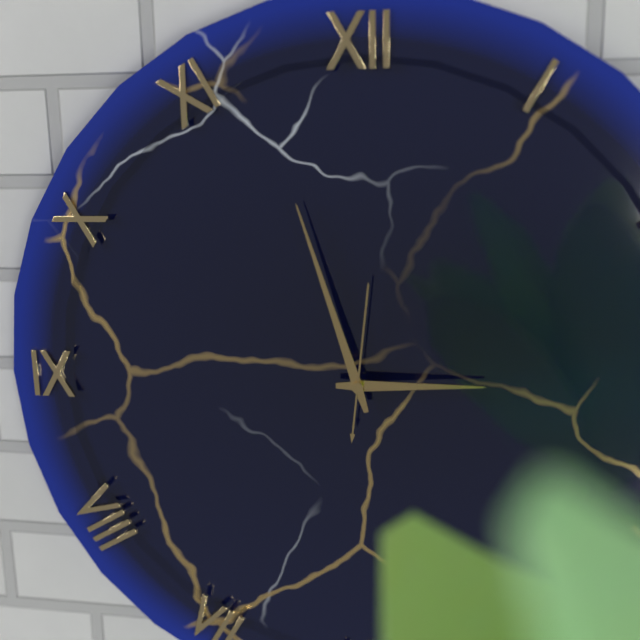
2:57:01
